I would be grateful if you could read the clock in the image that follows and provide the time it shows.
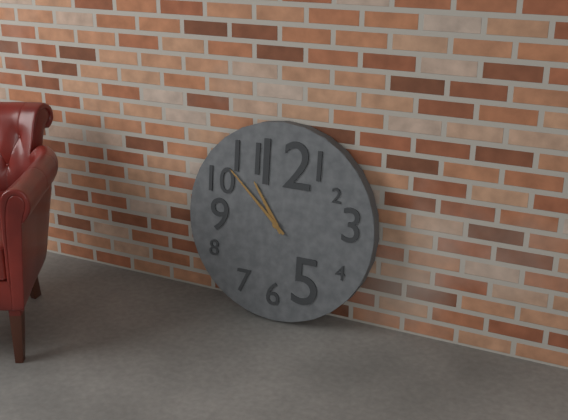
10:52
